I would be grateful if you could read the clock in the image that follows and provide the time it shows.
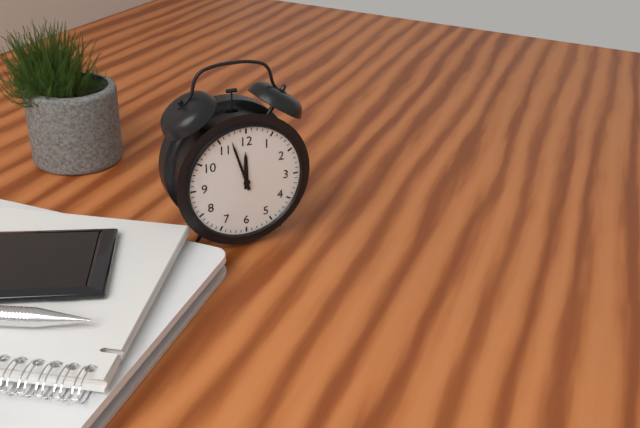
11:57
